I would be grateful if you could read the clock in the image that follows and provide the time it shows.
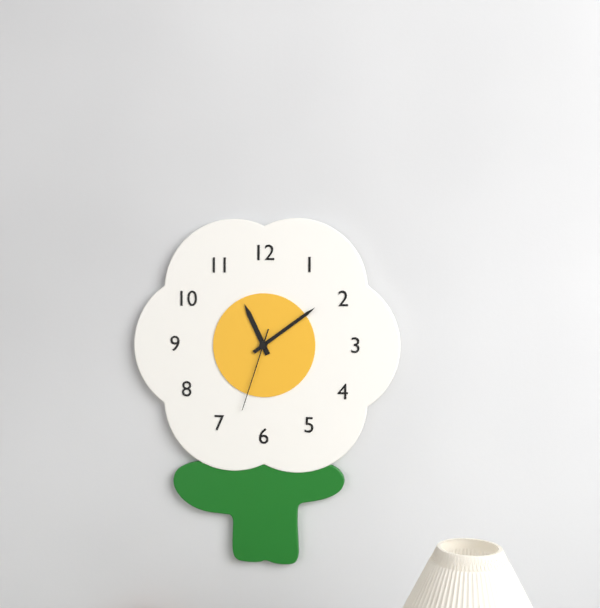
11:09:33
